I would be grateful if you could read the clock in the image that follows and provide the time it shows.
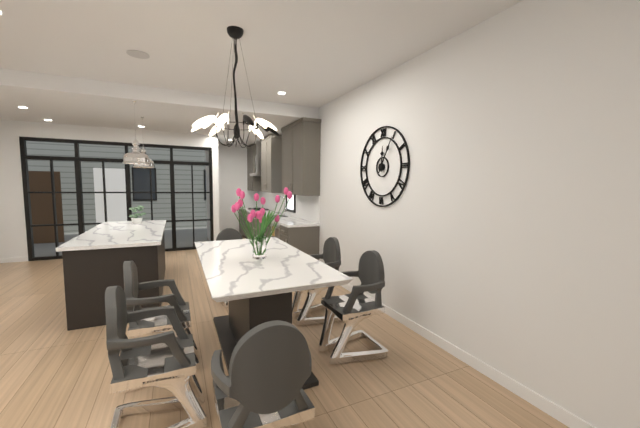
12:05
